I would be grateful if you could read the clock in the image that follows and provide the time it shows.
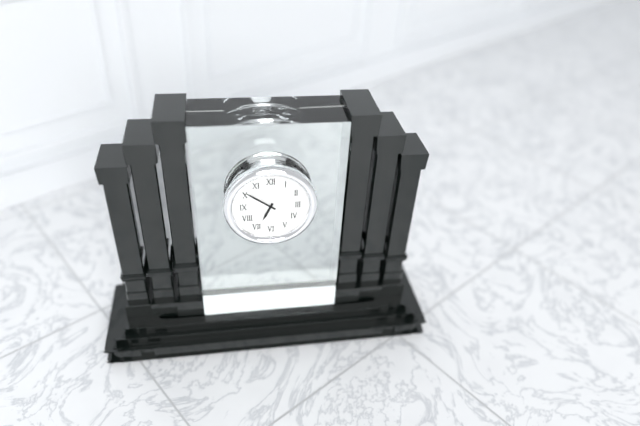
6:51
